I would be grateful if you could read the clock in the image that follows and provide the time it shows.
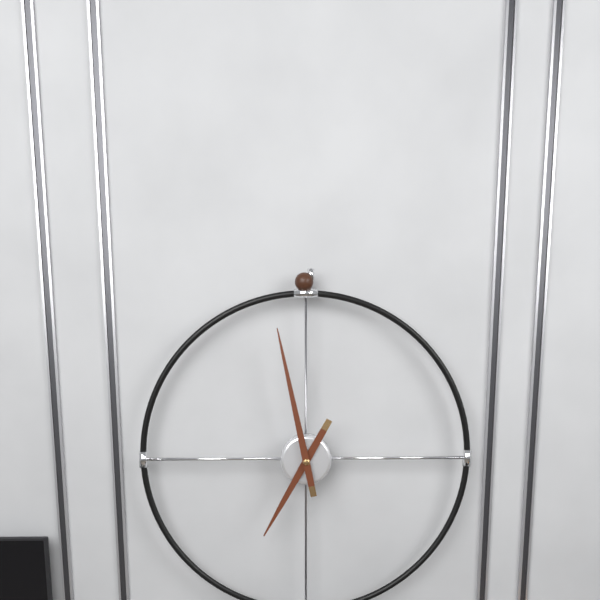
6:58
